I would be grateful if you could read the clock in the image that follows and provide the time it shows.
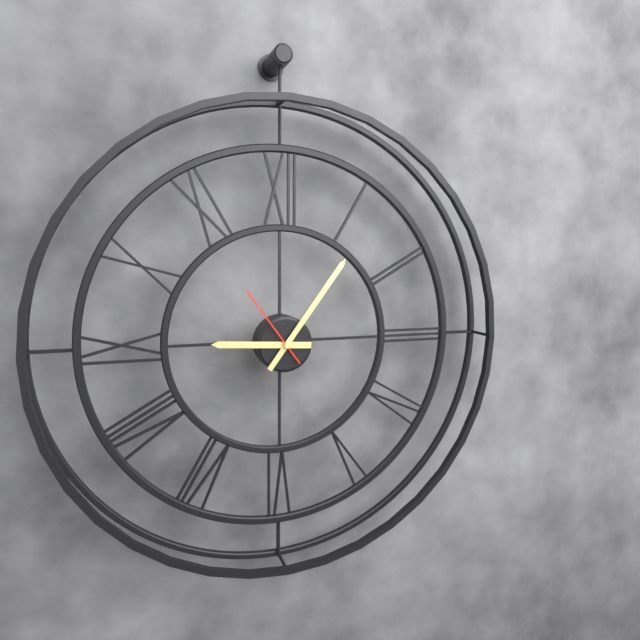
9:06:54
